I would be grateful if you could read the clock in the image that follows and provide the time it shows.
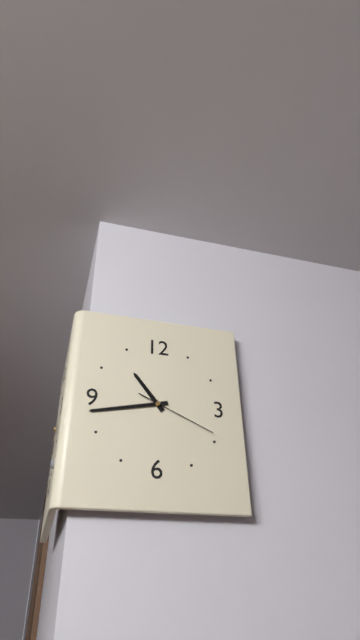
10:43:19
